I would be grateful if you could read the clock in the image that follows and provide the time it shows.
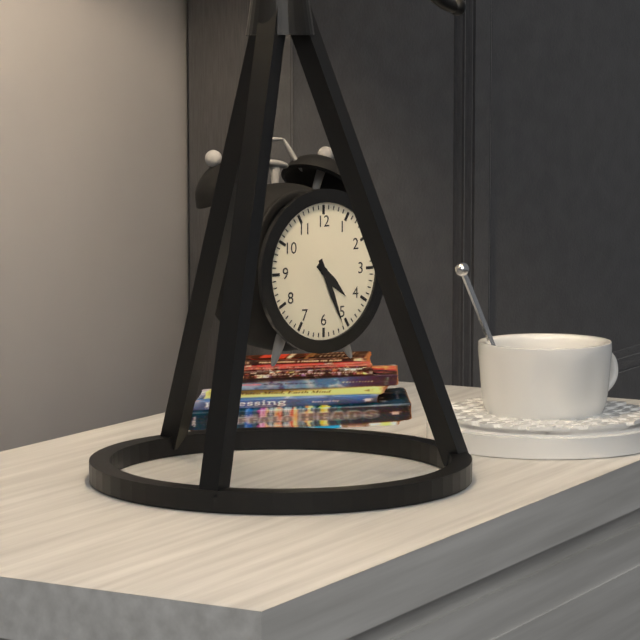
4:26
